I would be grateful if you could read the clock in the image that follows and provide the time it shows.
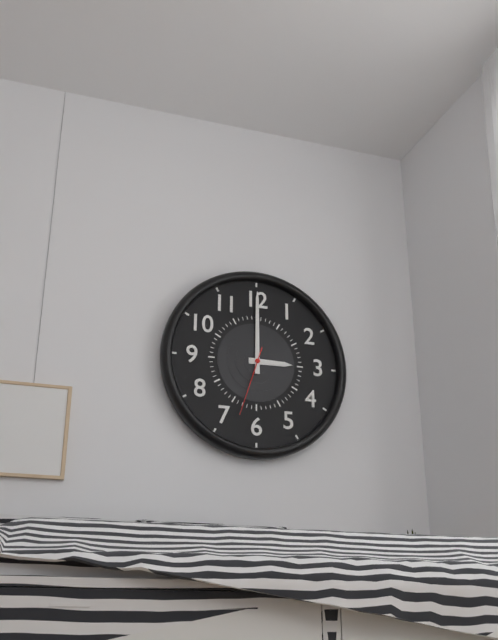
3:00:33
